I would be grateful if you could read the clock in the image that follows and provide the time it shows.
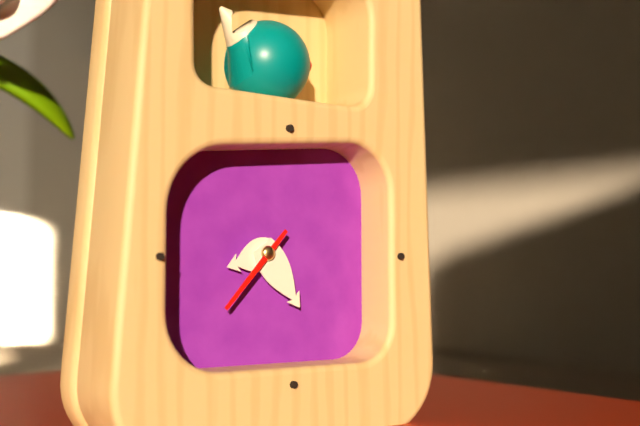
8:24:37
